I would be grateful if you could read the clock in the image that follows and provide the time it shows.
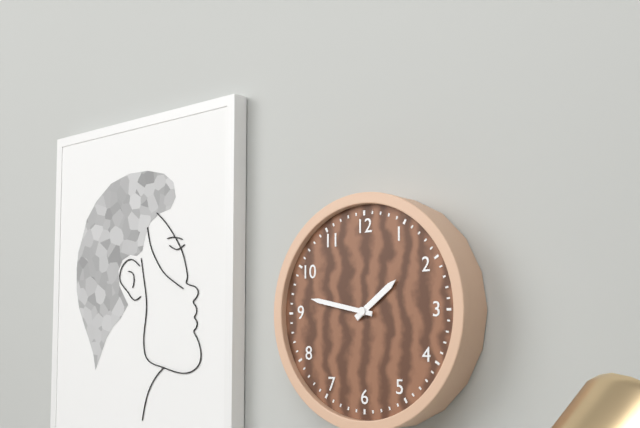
1:47
